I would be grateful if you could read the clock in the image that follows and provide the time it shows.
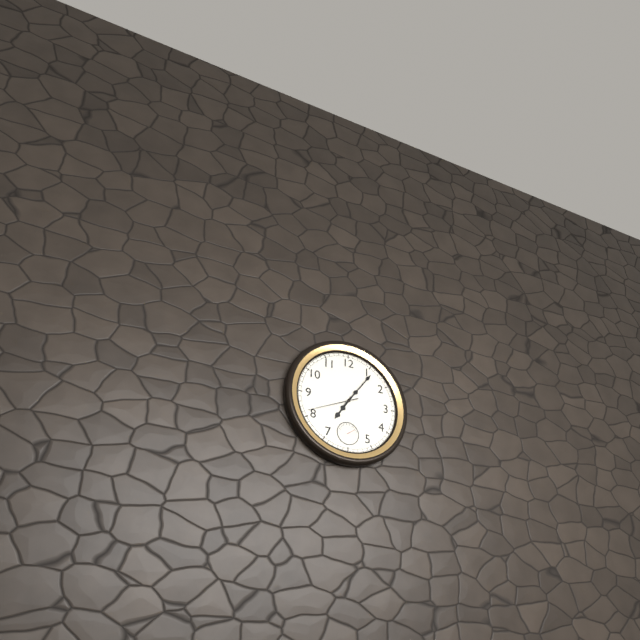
7:06:41
